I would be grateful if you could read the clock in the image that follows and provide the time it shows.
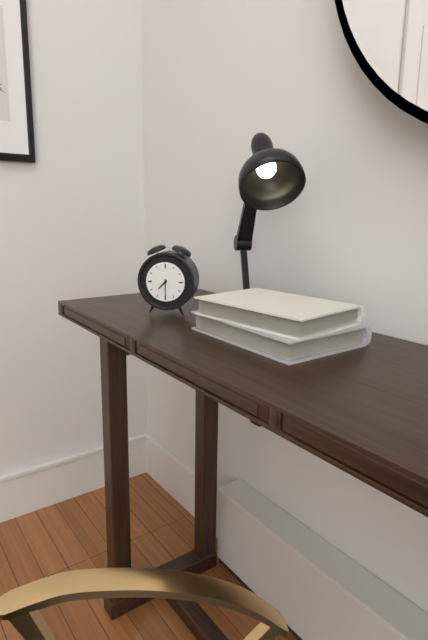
7:30
